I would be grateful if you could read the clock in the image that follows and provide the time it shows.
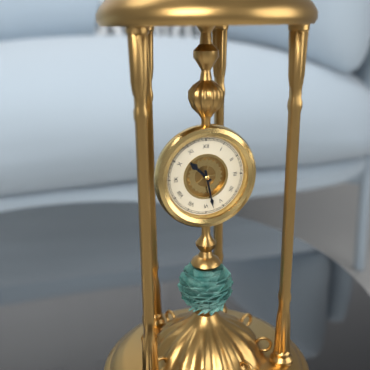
10:28
